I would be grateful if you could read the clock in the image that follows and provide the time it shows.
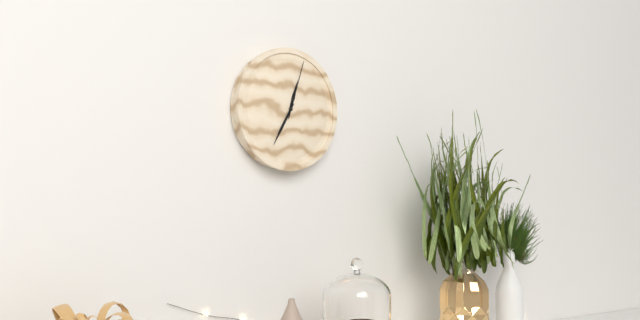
12:35:03
